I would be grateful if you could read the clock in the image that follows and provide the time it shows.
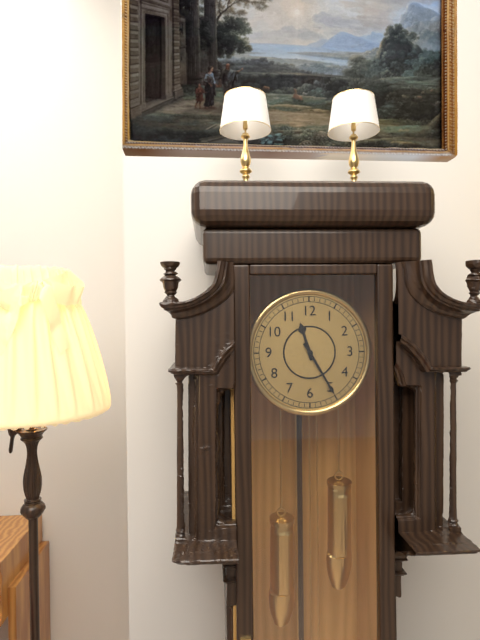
11:25
